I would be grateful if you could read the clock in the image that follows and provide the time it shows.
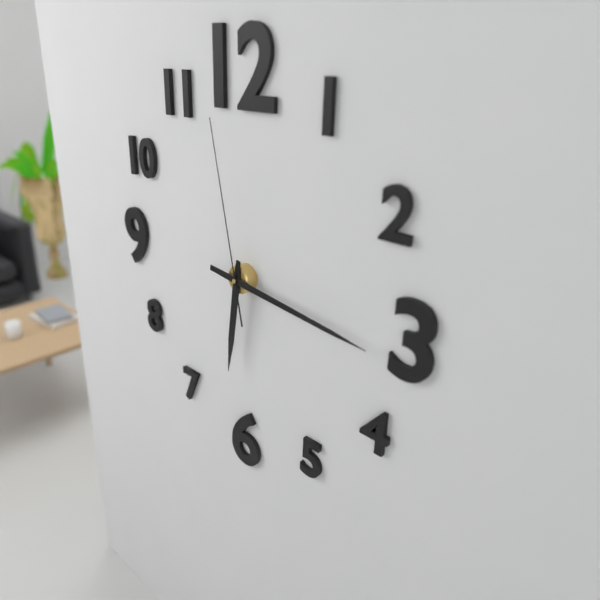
6:16:58
